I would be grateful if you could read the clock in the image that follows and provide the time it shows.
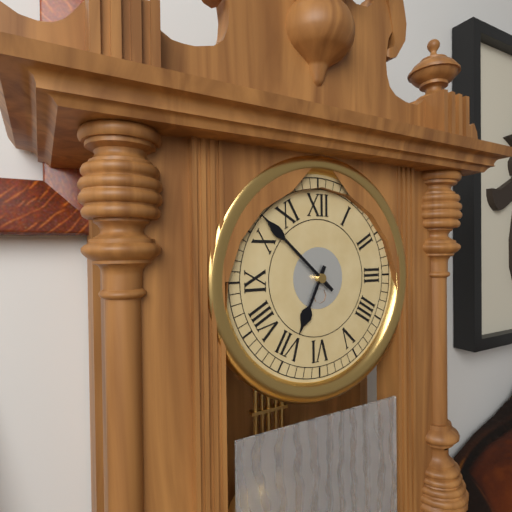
6:52
